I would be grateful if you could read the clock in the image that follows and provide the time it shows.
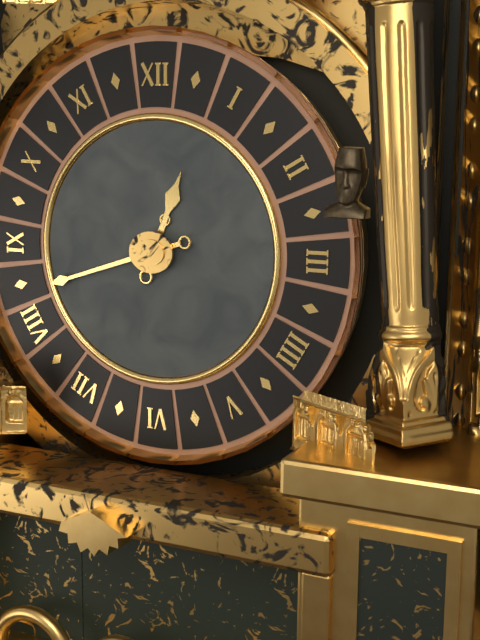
12:42
